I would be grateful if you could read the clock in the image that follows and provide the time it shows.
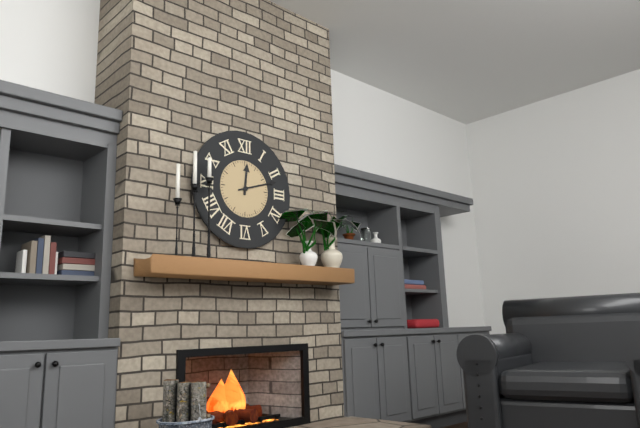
12:12
